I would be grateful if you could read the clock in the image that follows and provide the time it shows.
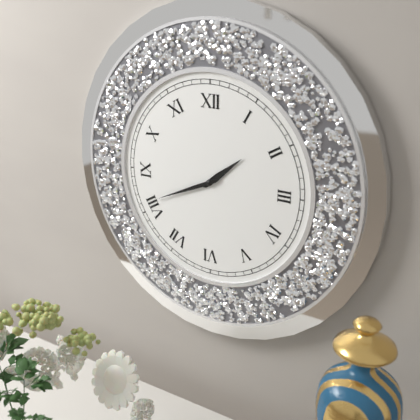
1:41
